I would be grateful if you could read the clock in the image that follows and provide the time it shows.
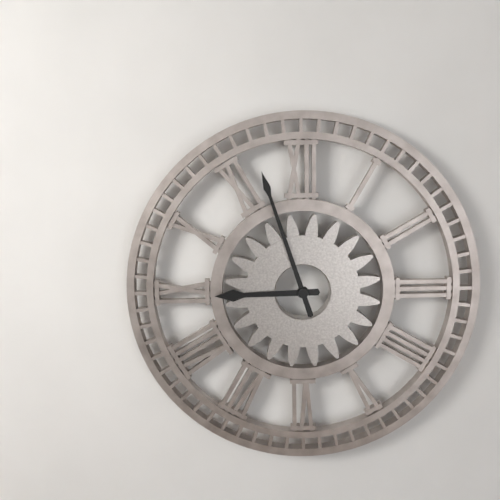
8:57
